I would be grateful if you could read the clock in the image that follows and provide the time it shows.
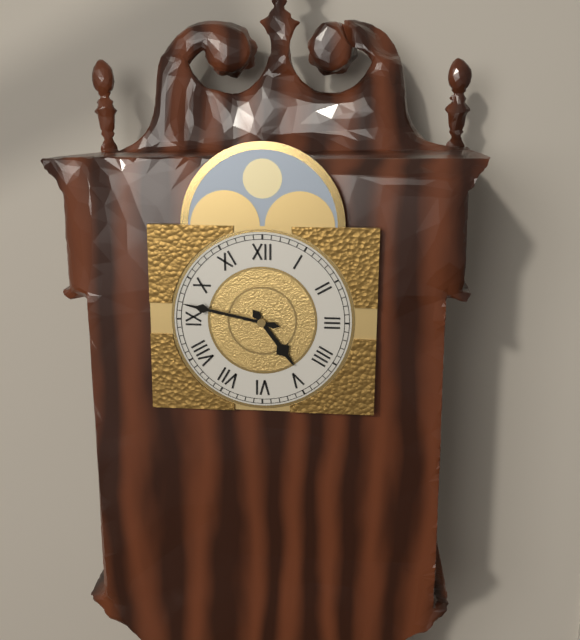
4:47
